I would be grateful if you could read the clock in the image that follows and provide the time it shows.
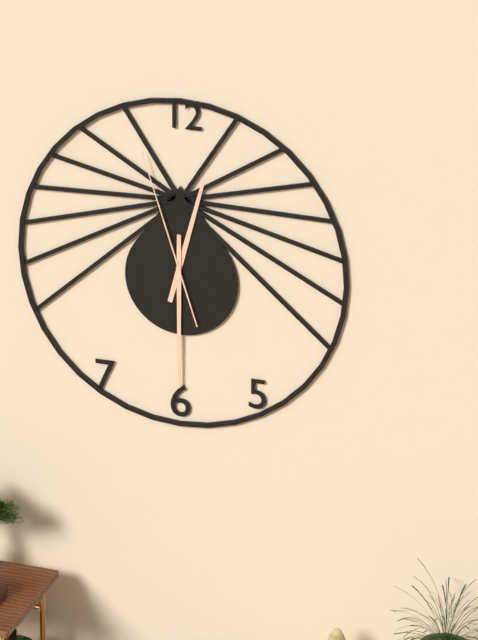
12:30:57
